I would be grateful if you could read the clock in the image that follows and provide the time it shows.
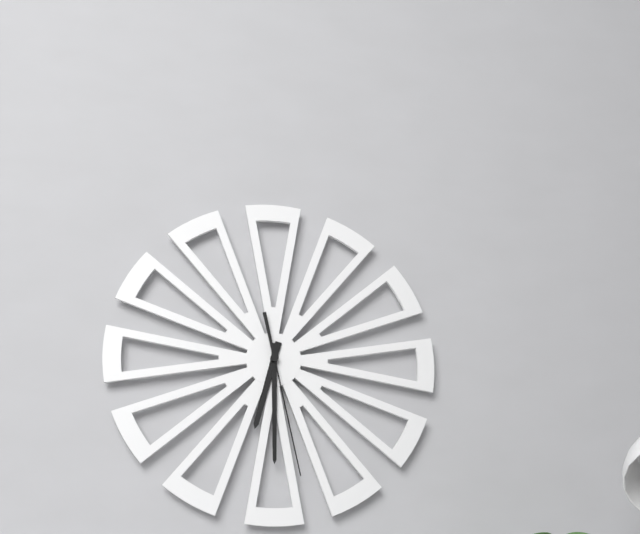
6:30:28
